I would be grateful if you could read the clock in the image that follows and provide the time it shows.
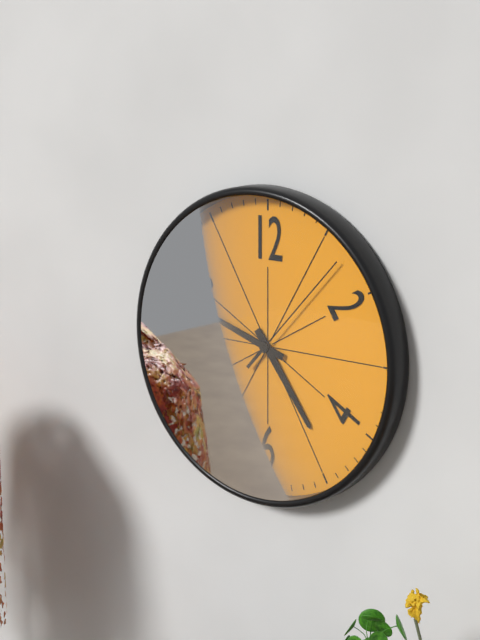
4:48:07
